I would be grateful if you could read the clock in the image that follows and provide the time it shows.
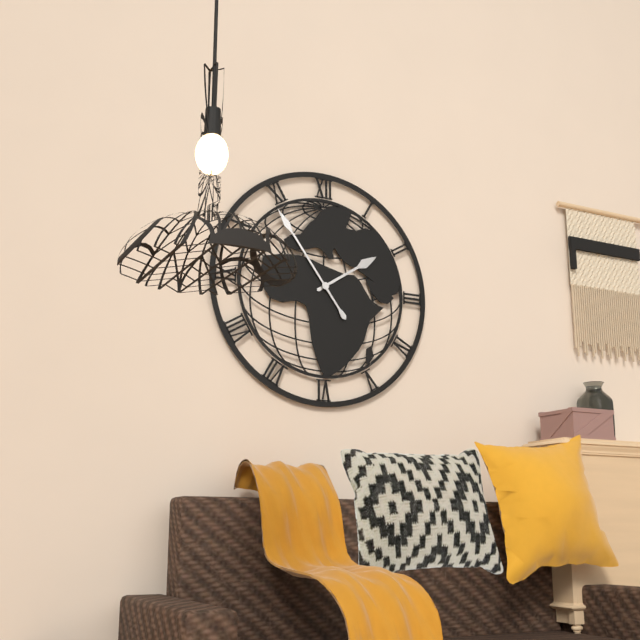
1:54
